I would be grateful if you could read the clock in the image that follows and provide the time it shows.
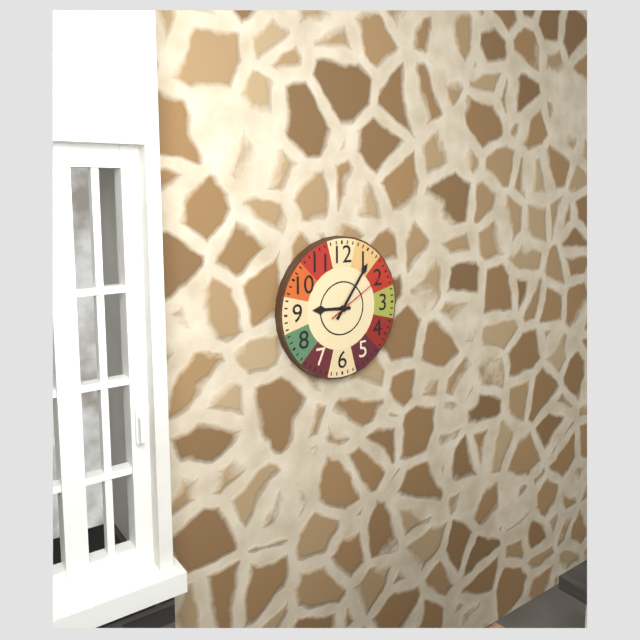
9:06:10
